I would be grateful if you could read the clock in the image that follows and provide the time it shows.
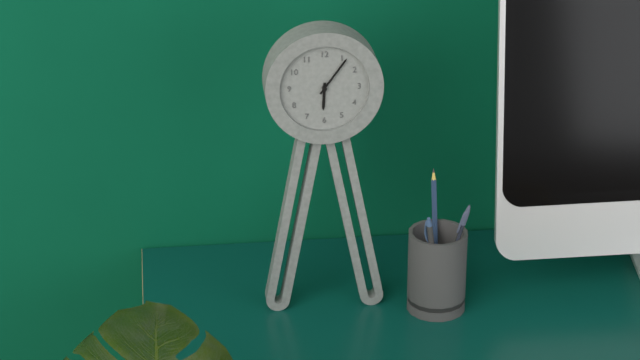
6:06
